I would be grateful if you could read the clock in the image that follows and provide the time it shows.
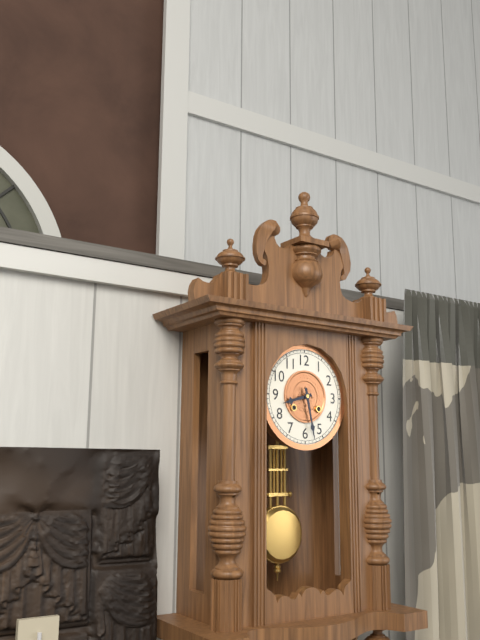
8:28
